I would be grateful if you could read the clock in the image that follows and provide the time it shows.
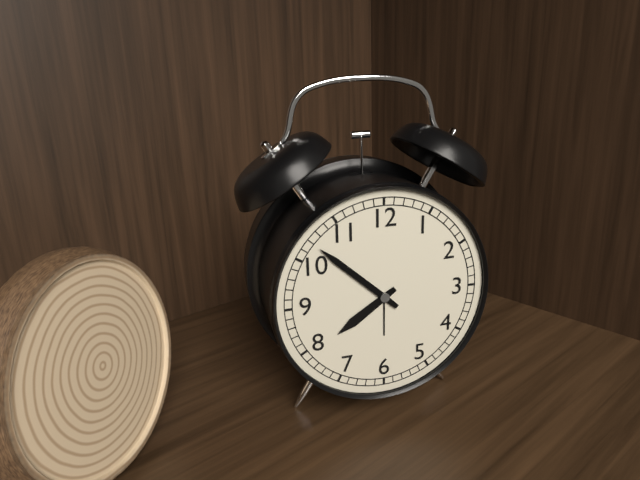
7:52
